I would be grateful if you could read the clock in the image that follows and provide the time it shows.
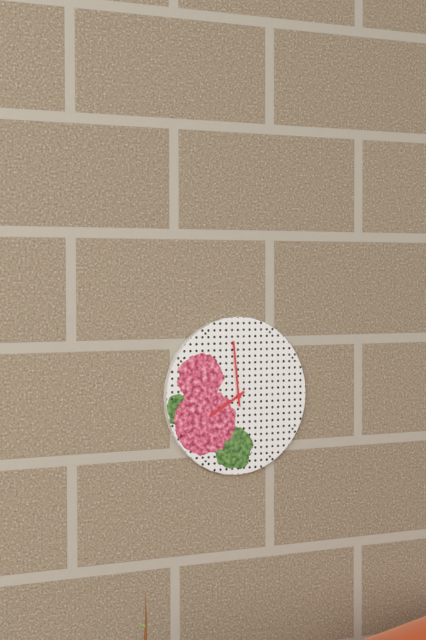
7:59
